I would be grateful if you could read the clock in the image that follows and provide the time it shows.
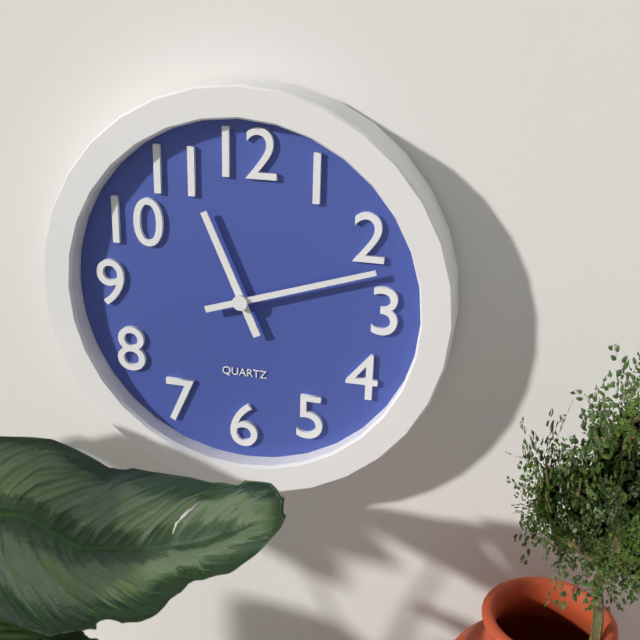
11:12
